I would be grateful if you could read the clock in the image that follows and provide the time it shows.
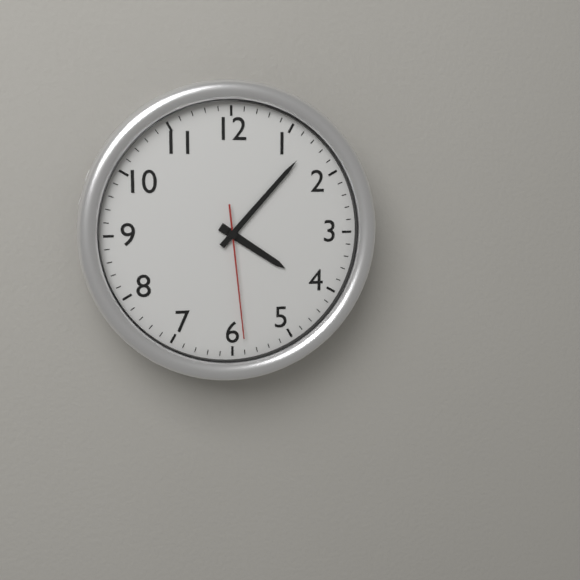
4:07:29
